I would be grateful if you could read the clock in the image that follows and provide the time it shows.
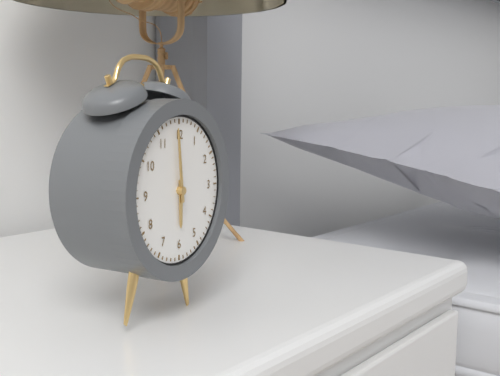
5:59
